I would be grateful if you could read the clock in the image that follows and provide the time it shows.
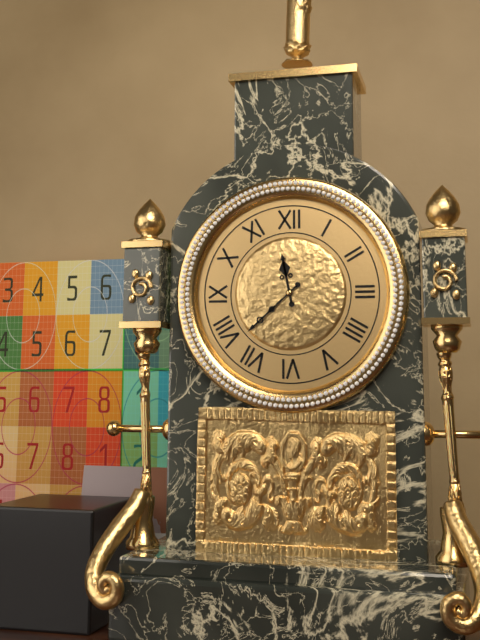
11:38
